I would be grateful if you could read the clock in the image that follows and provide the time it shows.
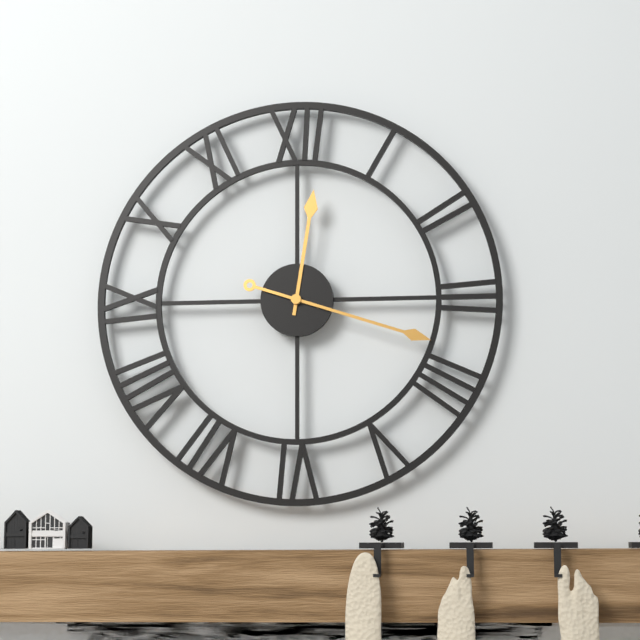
12:18
